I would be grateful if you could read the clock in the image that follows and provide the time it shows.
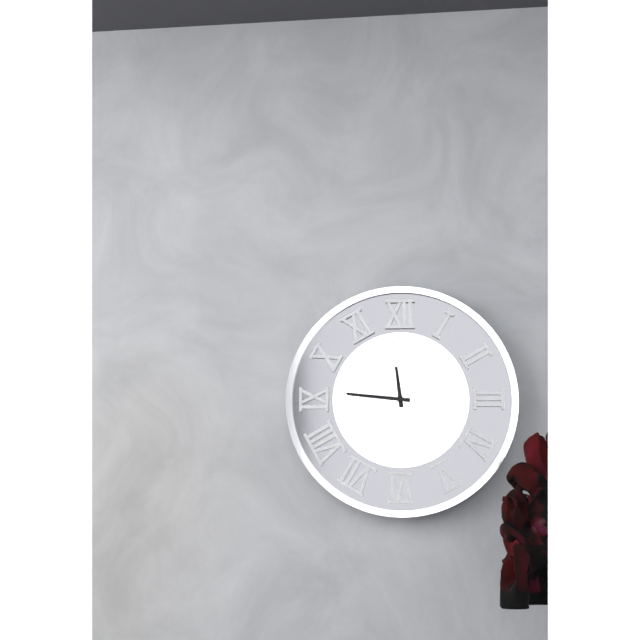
11:46
